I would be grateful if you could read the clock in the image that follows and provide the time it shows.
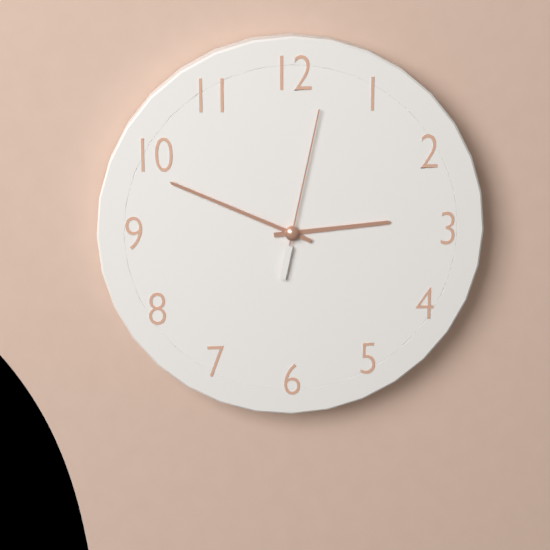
2:49:02
